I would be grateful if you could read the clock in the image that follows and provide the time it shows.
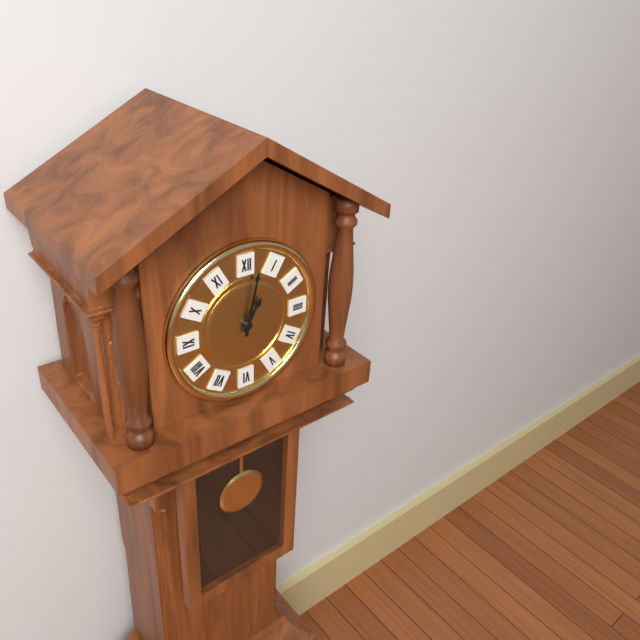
1:02
